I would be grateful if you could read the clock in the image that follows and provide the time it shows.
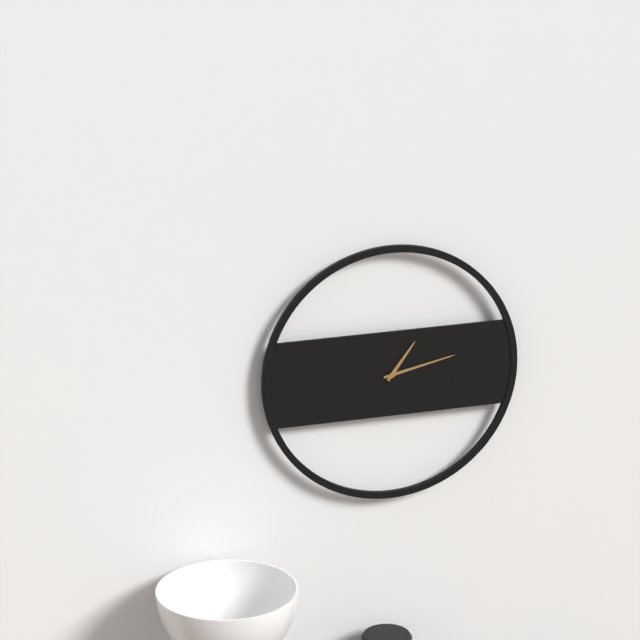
1:13
